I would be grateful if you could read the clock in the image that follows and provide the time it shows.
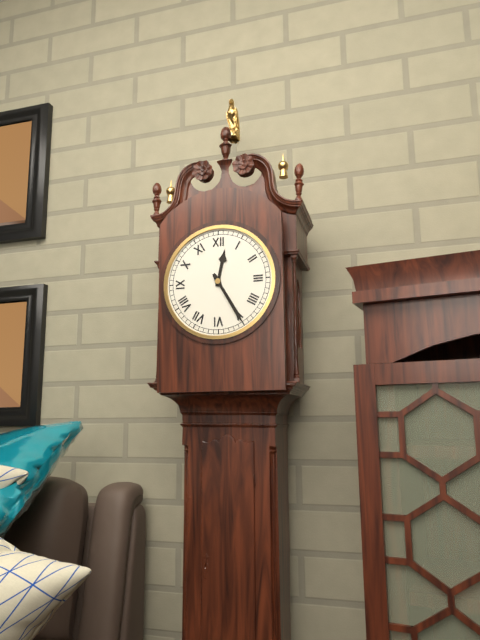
12:25
